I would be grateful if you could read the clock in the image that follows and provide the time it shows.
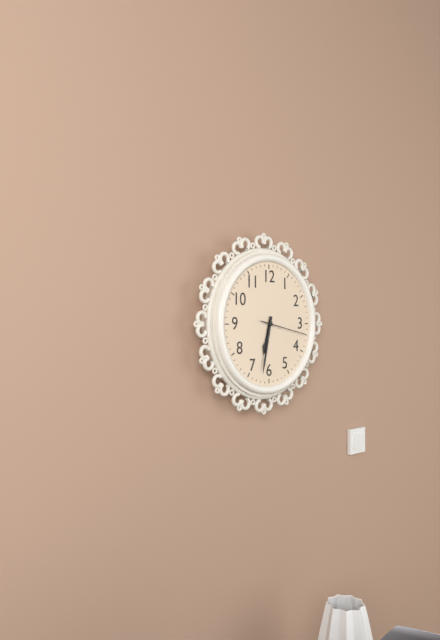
6:32
